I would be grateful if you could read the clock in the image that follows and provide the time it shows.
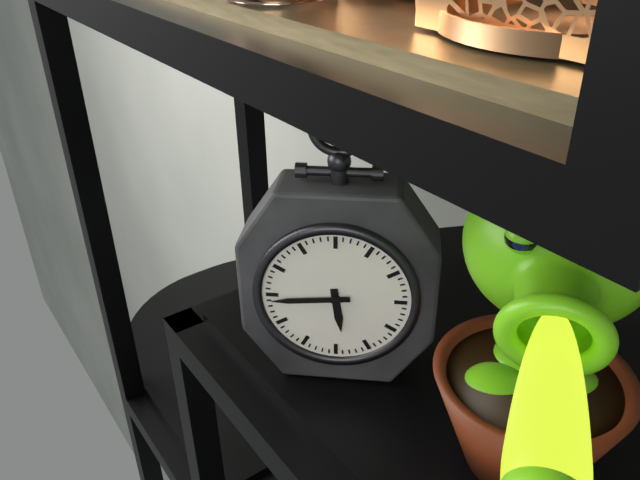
5:44
